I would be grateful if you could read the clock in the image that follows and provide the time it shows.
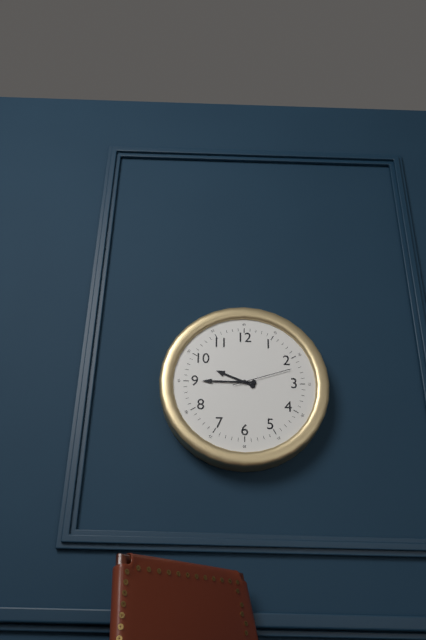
9:45:12
